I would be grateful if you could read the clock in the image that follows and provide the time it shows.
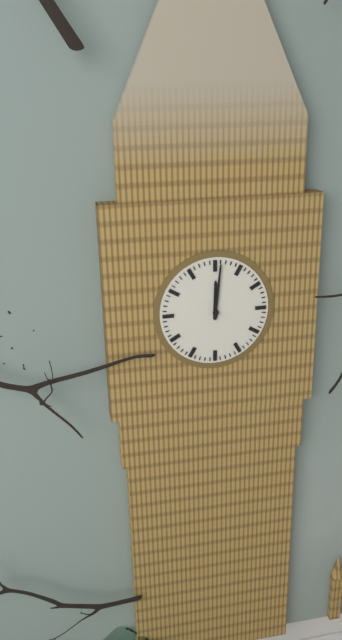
12:01
